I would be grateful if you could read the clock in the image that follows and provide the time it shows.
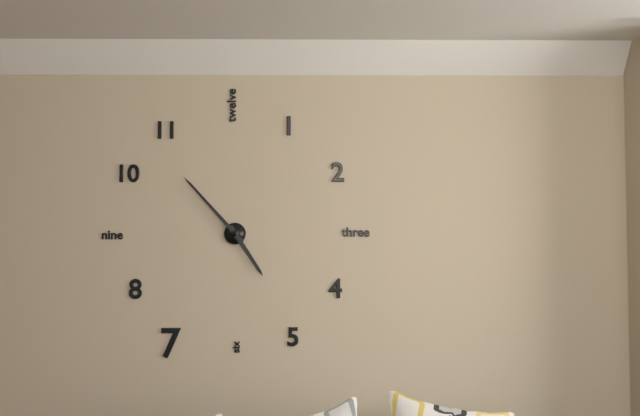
4:53
